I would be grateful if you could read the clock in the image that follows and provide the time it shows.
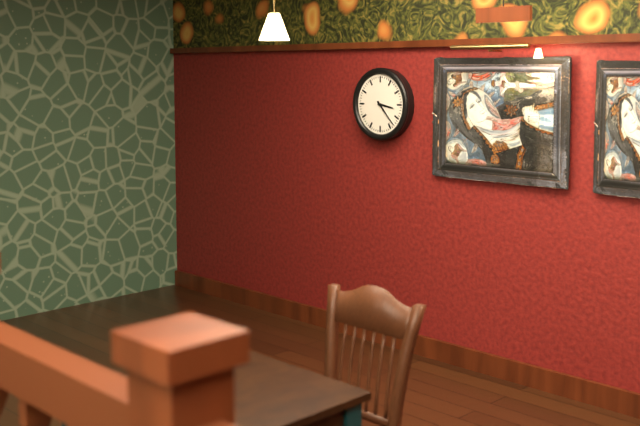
3:23
